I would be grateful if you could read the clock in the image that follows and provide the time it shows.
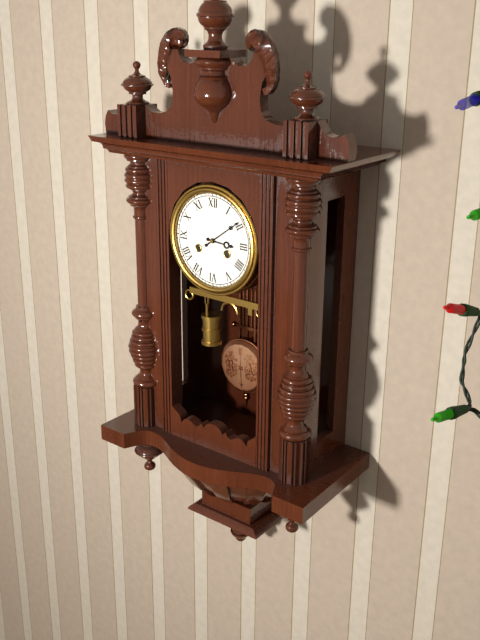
3:09
